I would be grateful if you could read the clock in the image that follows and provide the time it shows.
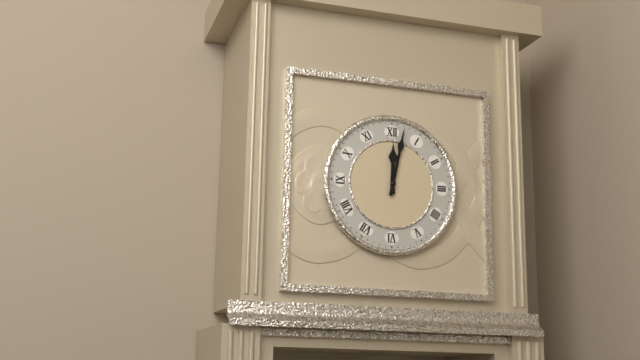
12:02
